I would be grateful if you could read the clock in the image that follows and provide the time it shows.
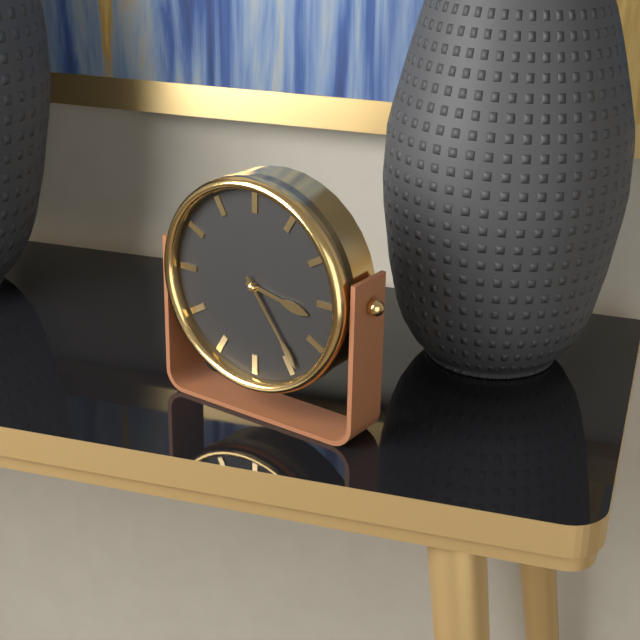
3:24
